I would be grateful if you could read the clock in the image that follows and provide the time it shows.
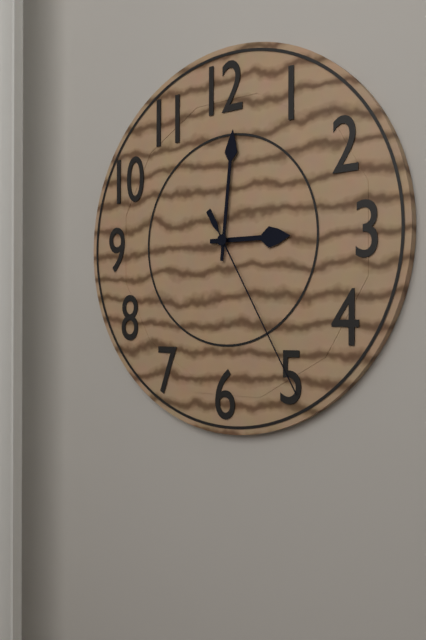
3:01:25
